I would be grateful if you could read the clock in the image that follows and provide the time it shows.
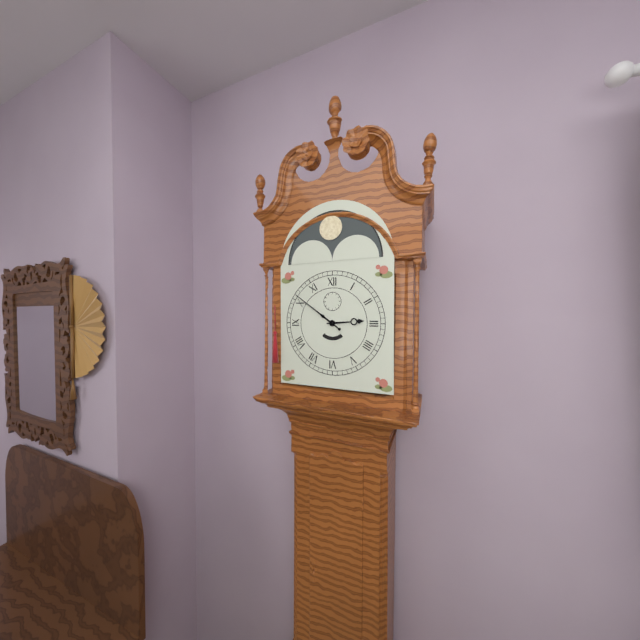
2:51
